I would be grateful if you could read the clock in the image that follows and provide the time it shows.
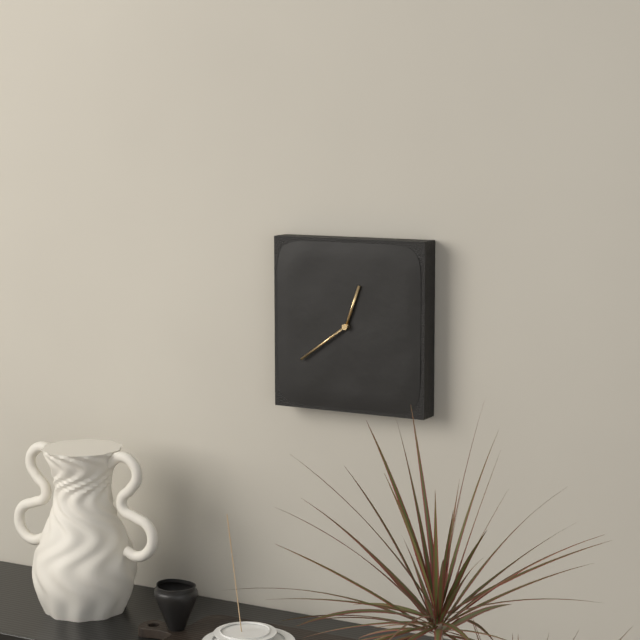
12:39
